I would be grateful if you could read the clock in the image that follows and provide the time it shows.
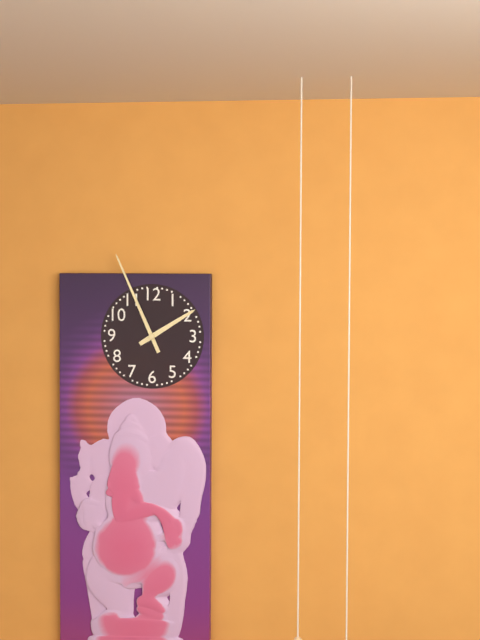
1:56
